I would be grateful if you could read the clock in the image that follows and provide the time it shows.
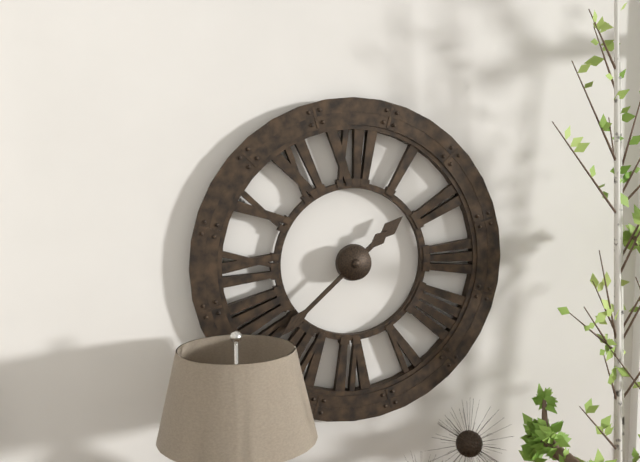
1:38
